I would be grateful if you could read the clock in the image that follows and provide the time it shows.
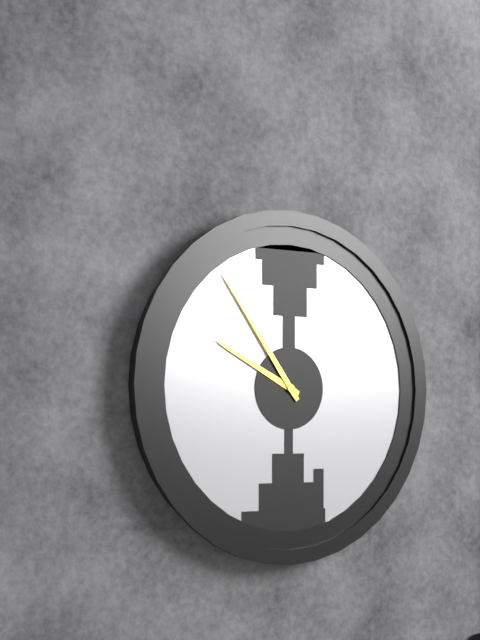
9:54
